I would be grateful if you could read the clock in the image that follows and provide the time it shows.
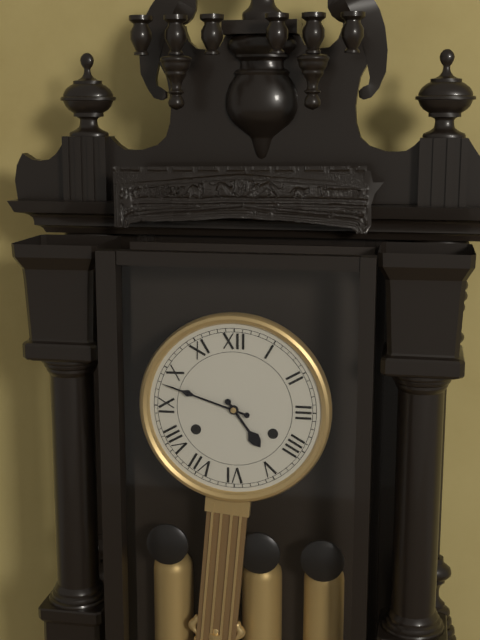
4:48
